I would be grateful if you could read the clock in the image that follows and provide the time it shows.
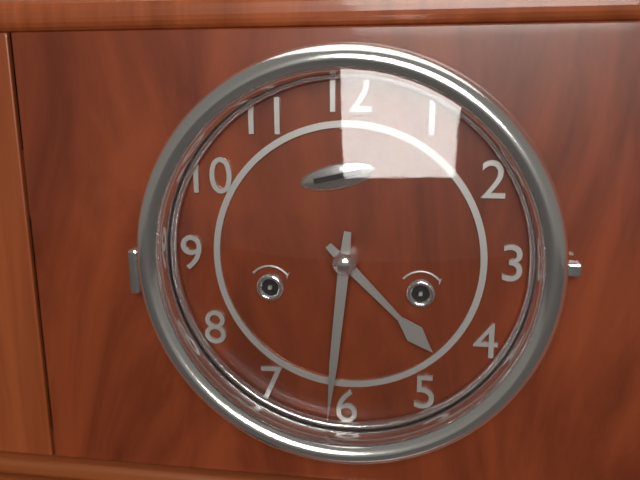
4:31
